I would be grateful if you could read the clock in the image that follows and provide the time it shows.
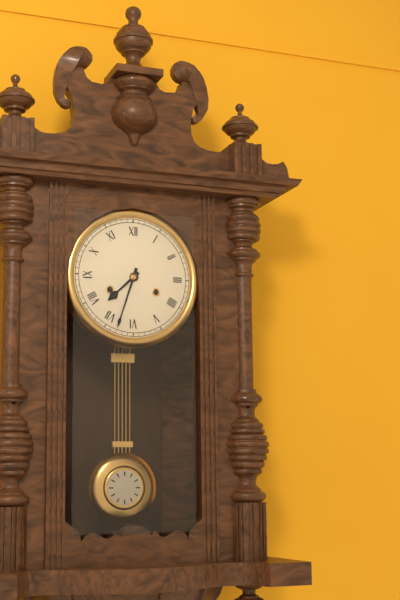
7:33
